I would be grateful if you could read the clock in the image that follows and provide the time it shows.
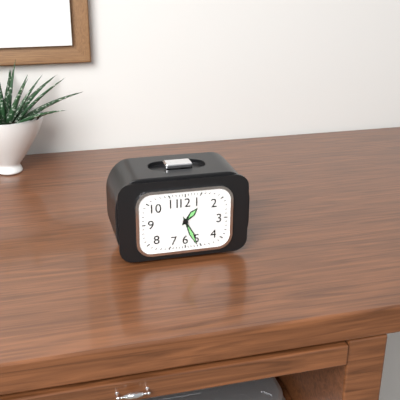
1:26
